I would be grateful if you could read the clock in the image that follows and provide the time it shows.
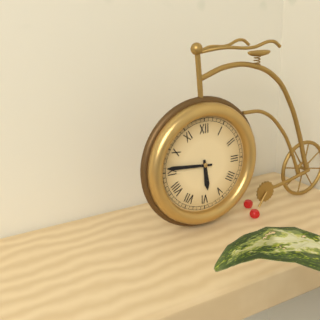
5:46
